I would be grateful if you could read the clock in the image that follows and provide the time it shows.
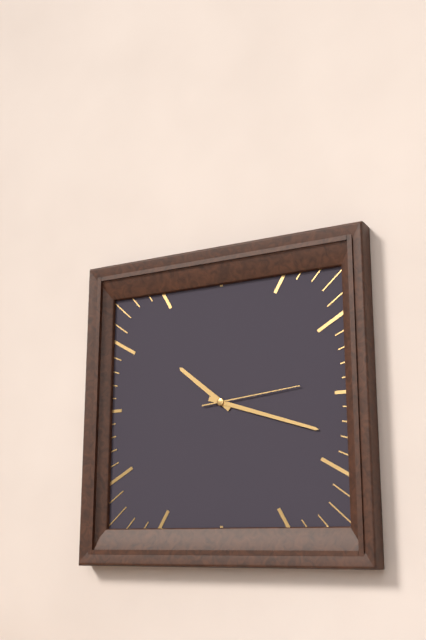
10:18:14
